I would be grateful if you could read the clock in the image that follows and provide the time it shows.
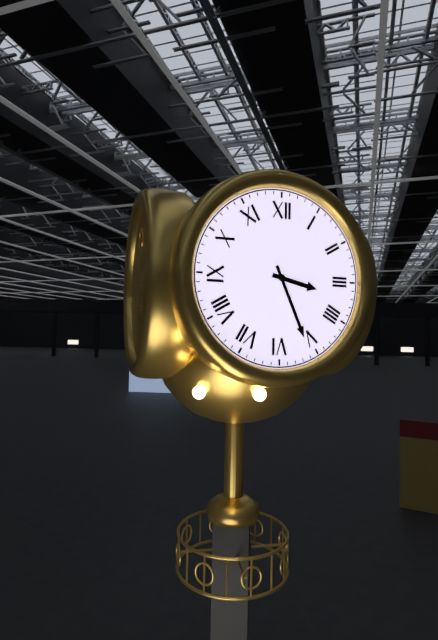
3:26
